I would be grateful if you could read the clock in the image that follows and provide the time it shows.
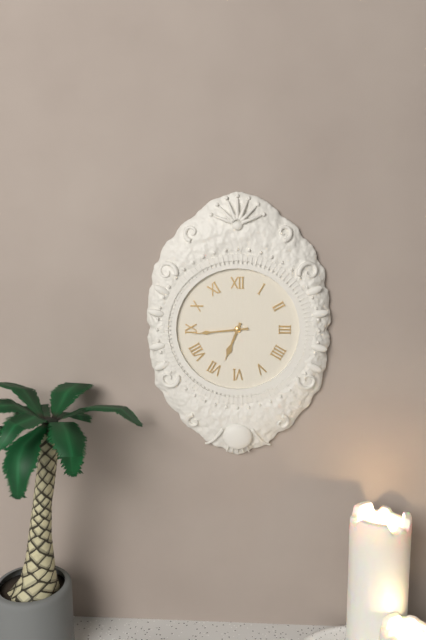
6:44
